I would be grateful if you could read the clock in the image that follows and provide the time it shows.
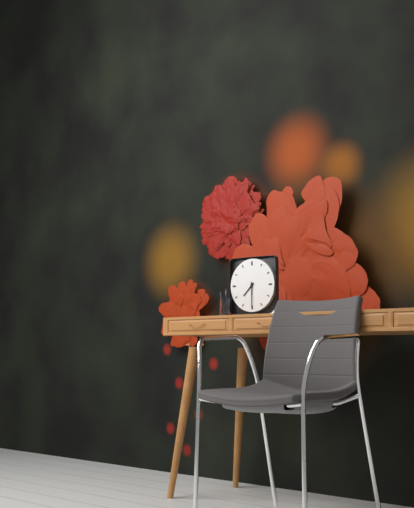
7:30
